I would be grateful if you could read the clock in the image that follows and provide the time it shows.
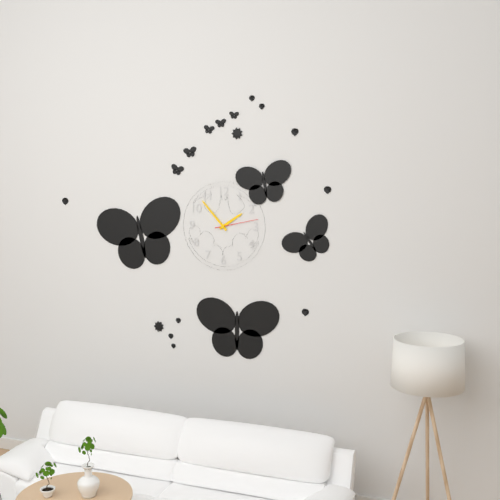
1:53
